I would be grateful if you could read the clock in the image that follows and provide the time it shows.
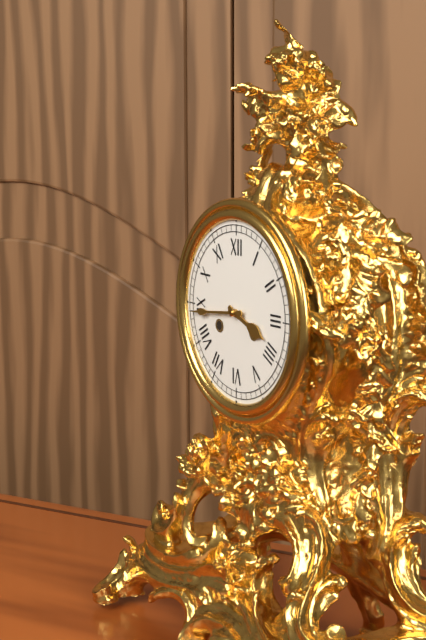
3:44
